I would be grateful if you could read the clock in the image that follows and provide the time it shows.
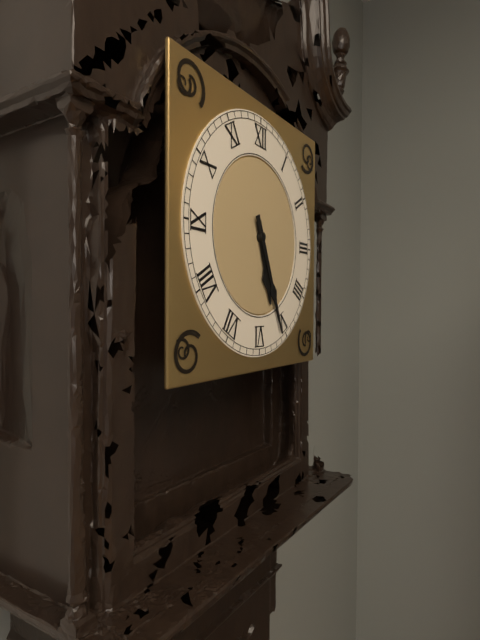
5:26
